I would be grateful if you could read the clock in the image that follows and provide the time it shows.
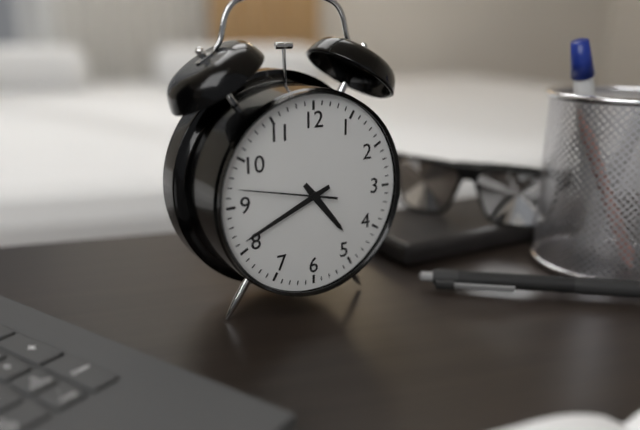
4:41:47
